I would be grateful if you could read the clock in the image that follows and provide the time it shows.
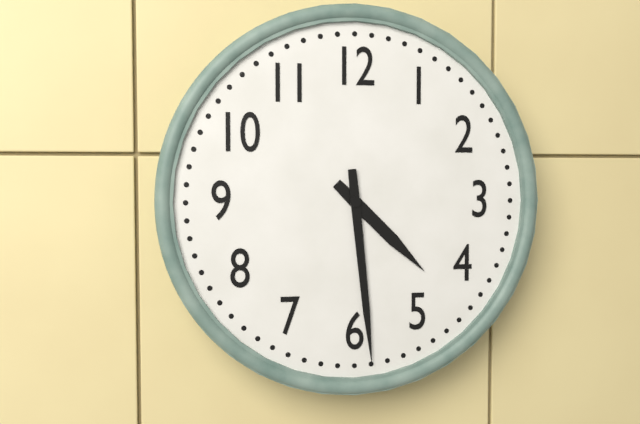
4:29
